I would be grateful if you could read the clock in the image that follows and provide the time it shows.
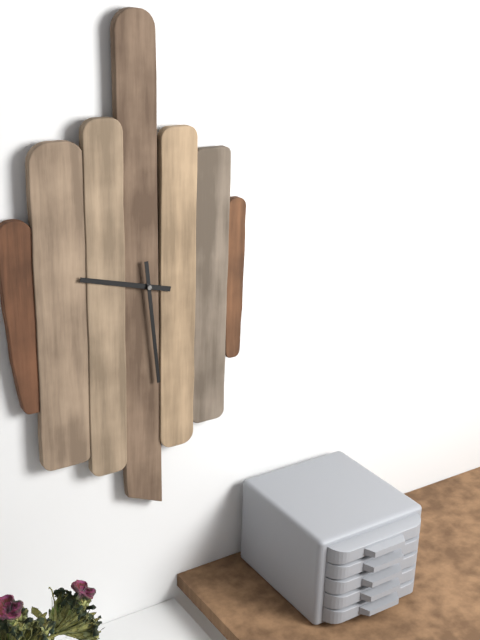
9:29
